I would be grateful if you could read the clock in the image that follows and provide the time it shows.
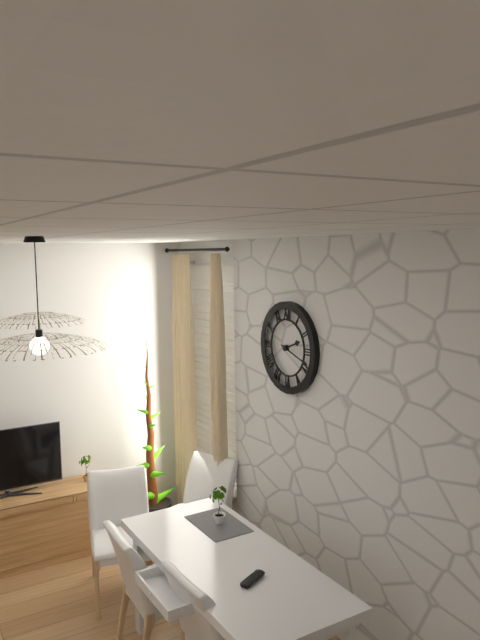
2:18
